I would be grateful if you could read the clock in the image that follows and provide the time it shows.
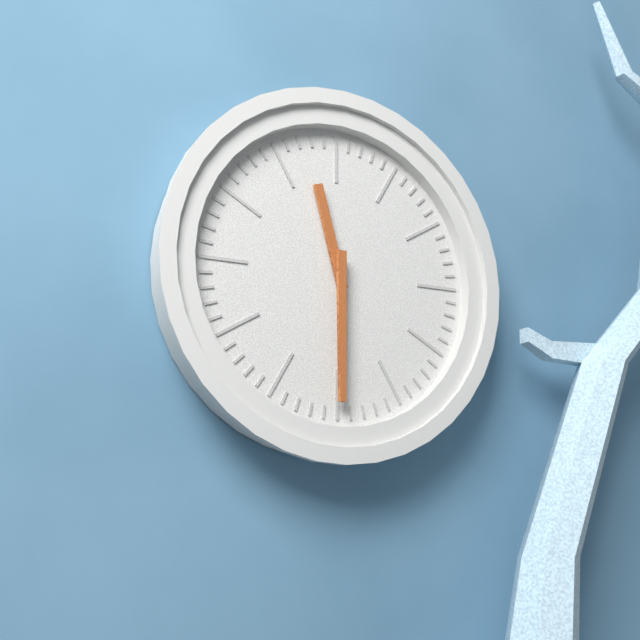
11:30
